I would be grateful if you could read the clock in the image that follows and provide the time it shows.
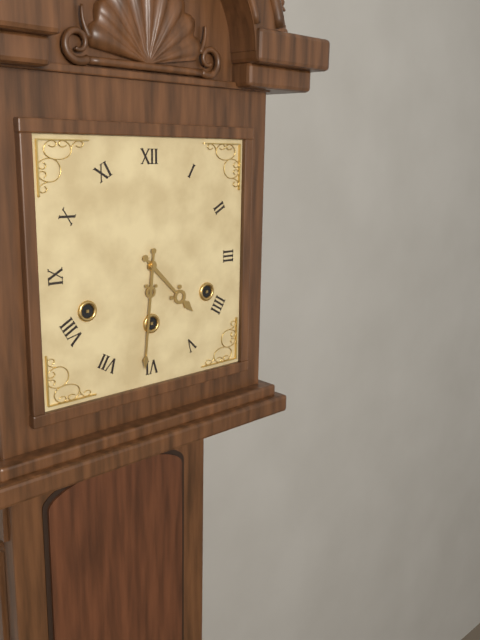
4:31
